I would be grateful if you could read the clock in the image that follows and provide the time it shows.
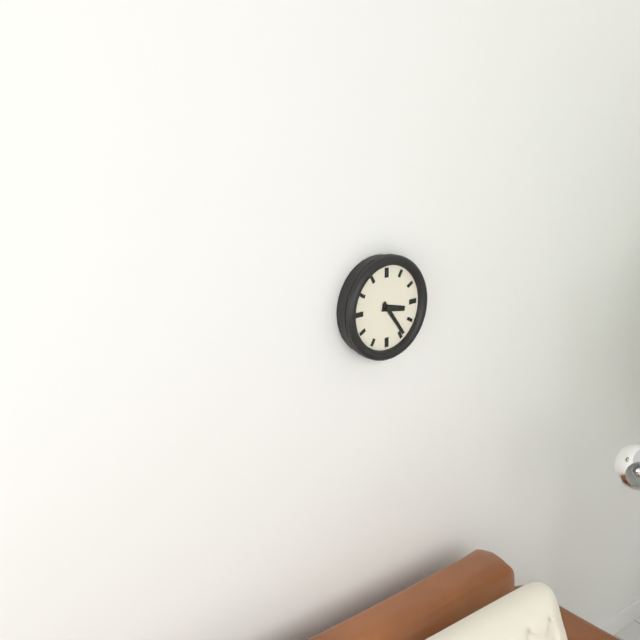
3:24
